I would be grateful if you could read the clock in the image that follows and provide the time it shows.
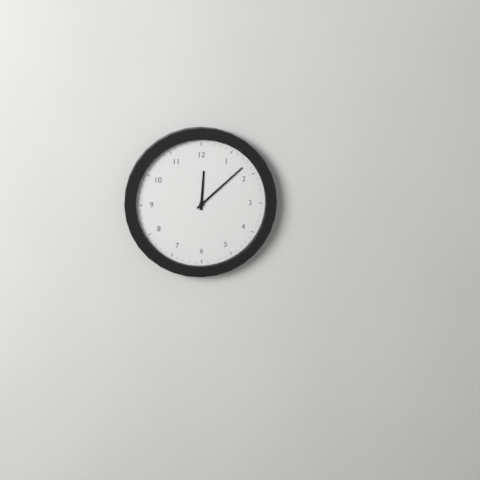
12:08
